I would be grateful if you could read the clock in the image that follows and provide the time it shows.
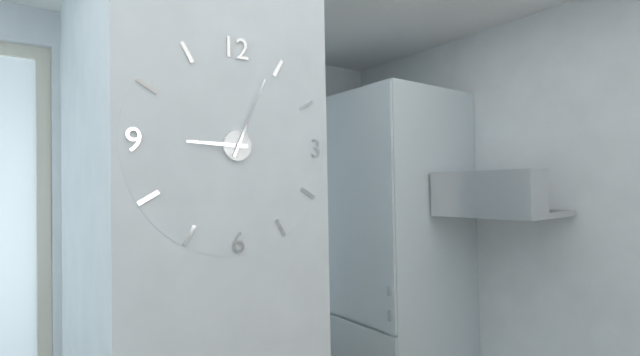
9:04
